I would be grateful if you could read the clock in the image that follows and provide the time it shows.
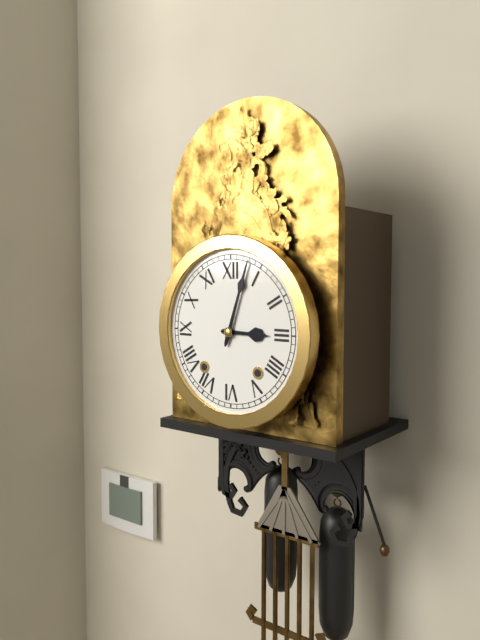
3:03
